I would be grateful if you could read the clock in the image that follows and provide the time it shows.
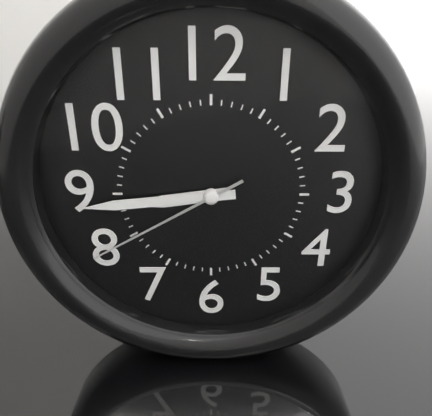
8:44:40
